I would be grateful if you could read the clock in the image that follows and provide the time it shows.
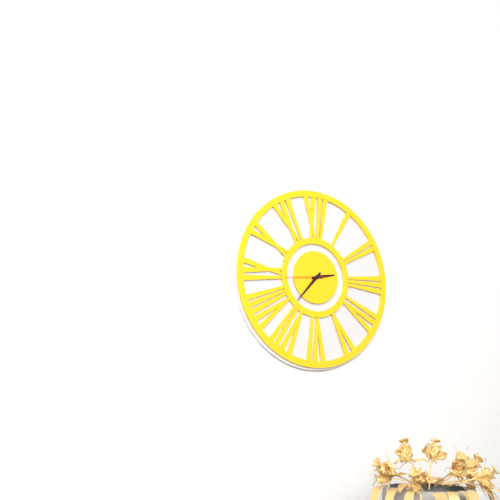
2:37
